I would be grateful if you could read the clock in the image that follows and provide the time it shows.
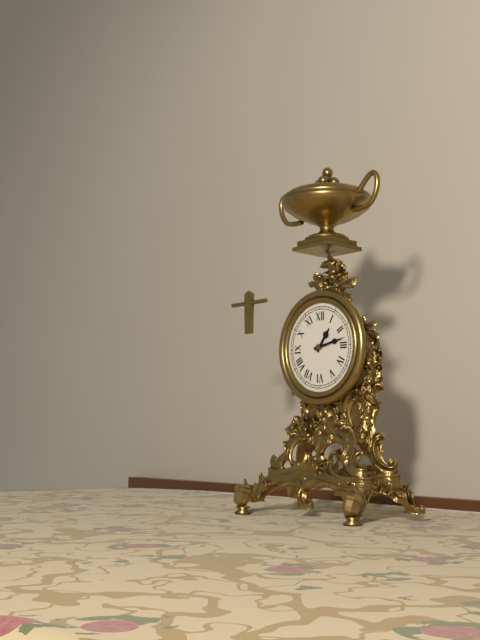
1:13
